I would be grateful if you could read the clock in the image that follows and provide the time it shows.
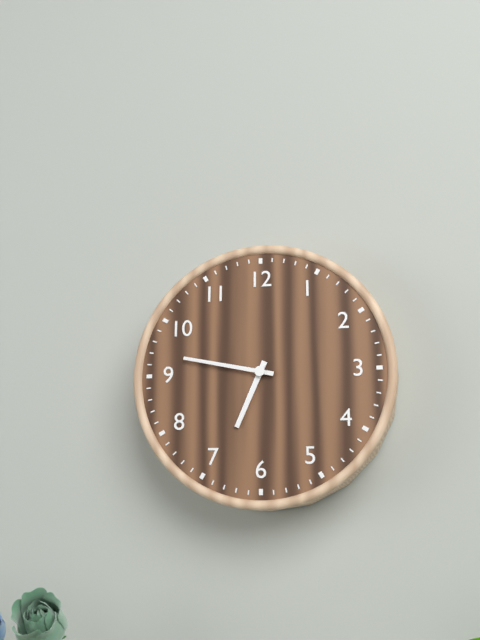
6:47
